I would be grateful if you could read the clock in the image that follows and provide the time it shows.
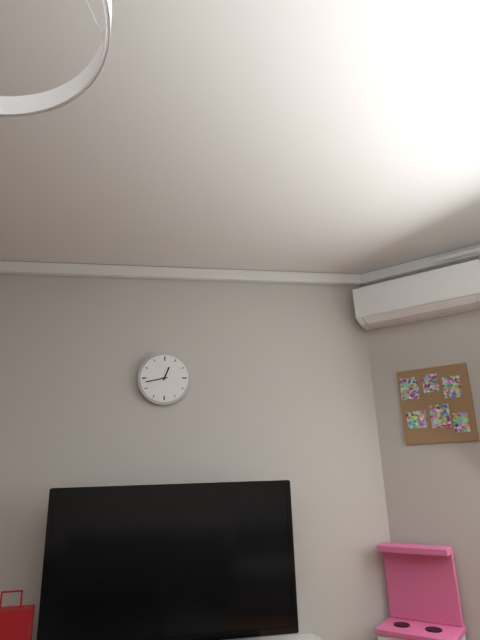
12:43
